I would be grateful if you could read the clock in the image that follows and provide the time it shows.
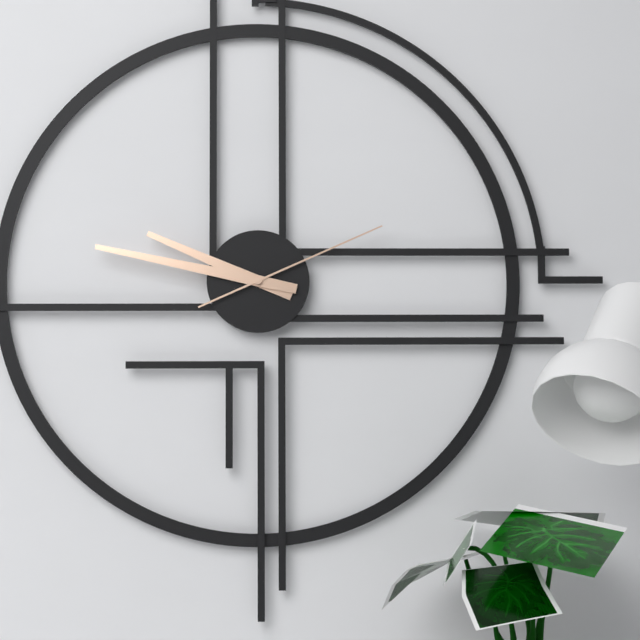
9:47:11
